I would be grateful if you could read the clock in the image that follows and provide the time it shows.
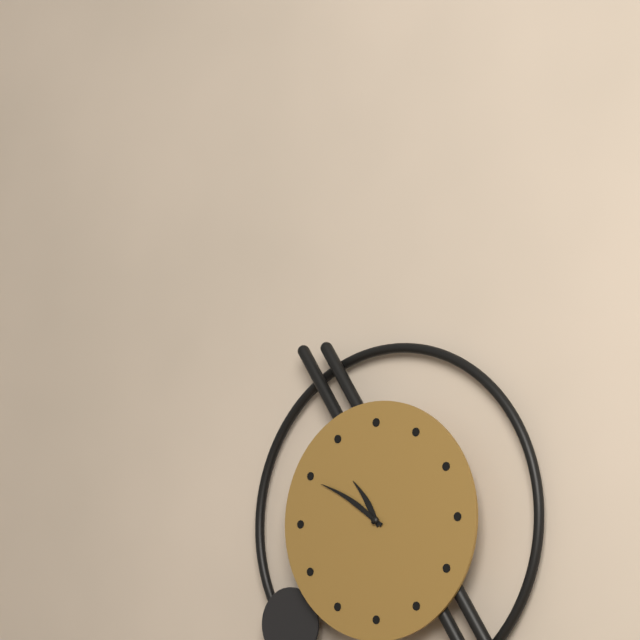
10:50
